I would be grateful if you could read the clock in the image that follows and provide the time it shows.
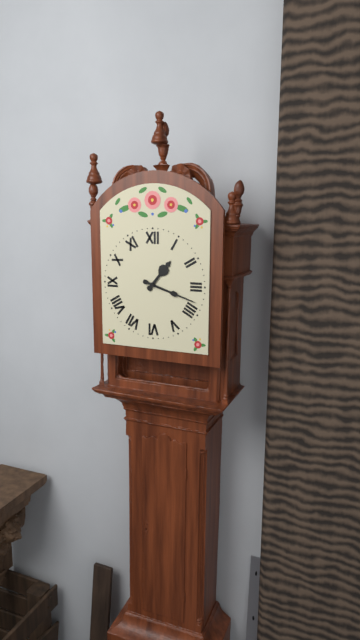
1:18
